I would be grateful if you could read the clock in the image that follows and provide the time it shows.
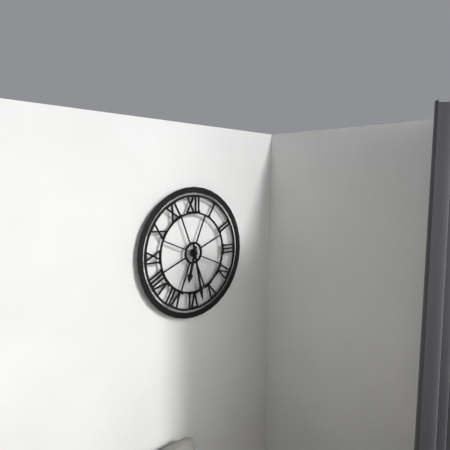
6:28
